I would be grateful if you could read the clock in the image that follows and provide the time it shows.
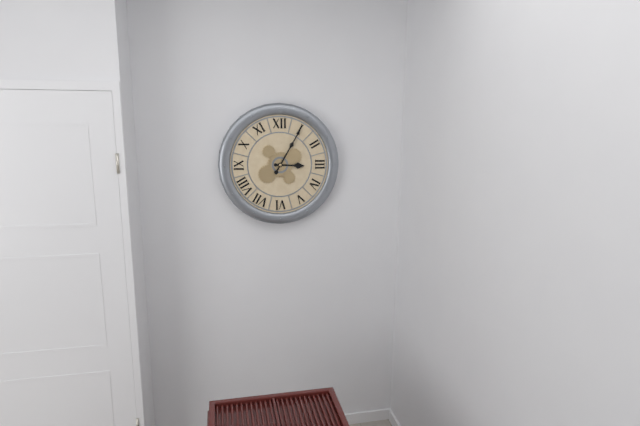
3:05
